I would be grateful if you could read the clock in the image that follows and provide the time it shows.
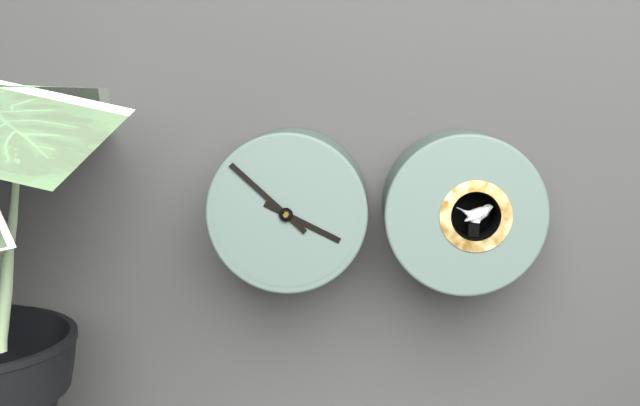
3:52
